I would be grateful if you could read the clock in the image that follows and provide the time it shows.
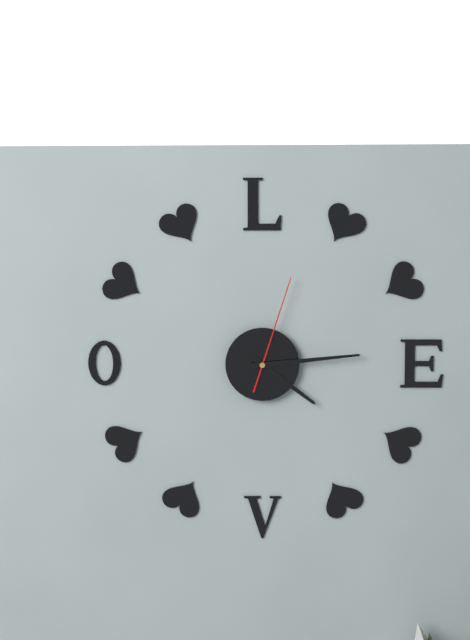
4:14:03
